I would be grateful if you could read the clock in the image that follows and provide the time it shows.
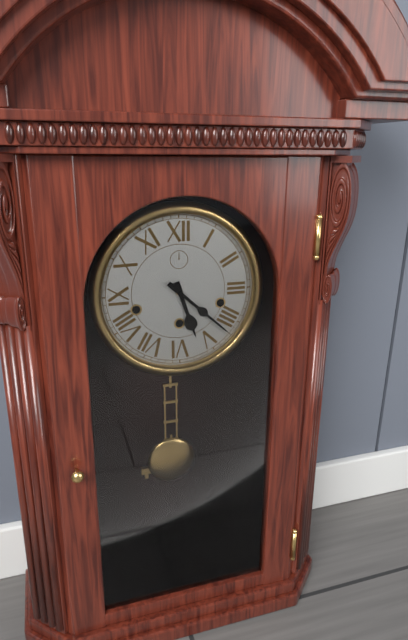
5:22
